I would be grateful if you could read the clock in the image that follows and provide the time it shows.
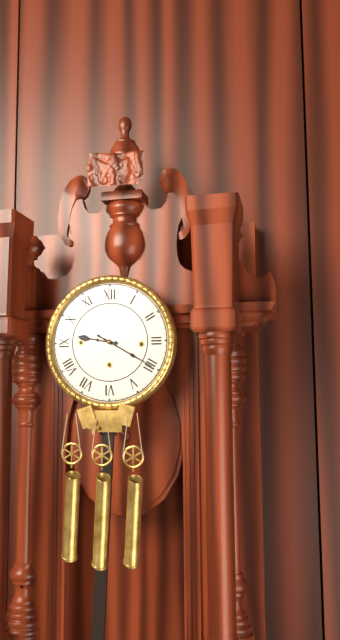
9:20
